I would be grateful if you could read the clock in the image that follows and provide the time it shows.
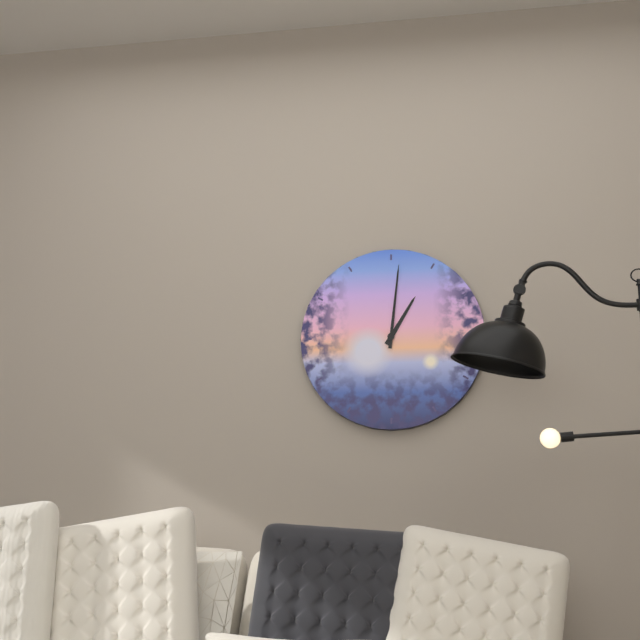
1:01
